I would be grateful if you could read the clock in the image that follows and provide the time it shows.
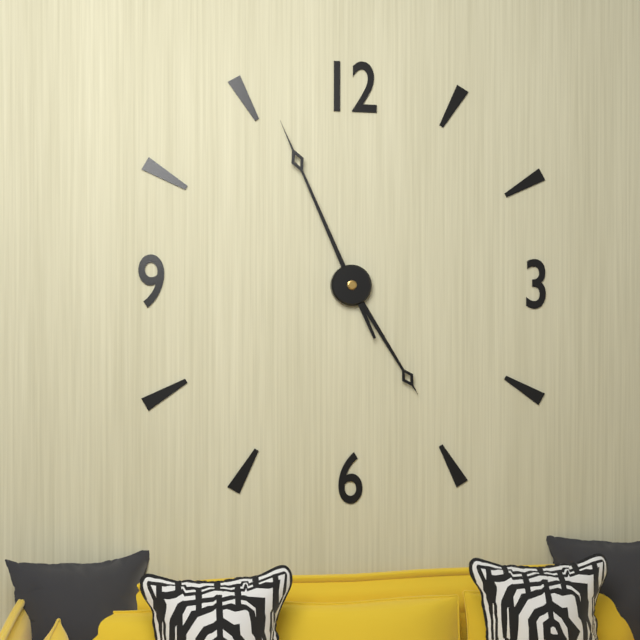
4:56
